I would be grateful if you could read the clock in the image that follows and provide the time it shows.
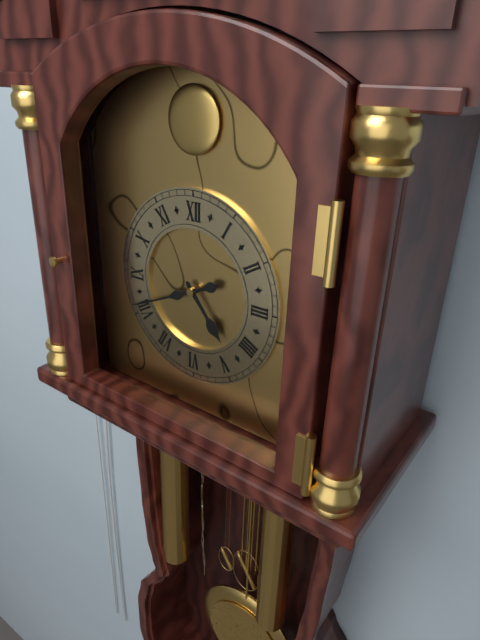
4:41
